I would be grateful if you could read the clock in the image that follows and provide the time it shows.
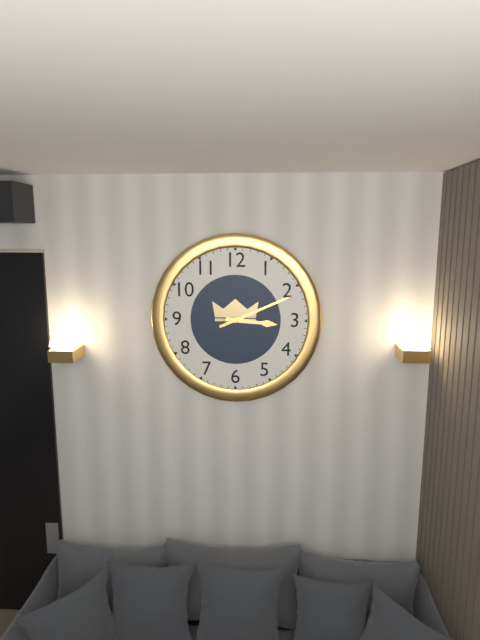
3:11
